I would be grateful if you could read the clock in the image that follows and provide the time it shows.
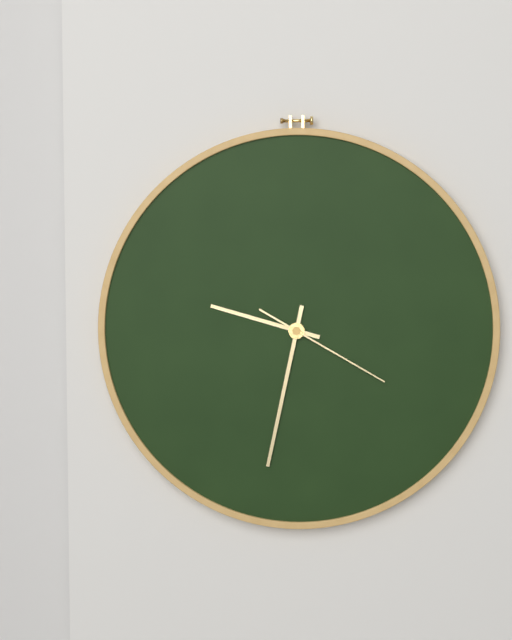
9:32:20
